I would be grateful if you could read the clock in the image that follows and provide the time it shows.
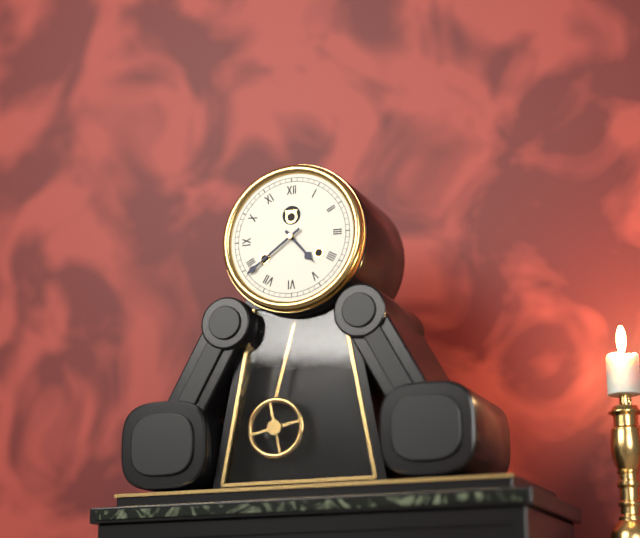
4:39
